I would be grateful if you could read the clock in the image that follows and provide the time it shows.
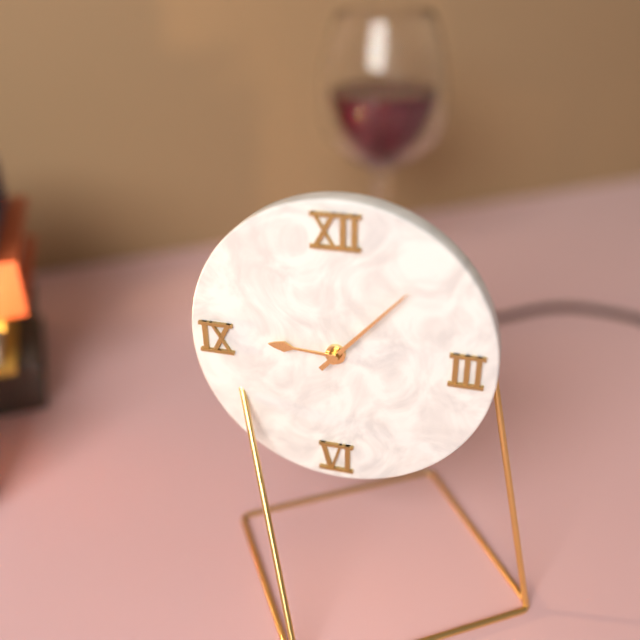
9:07
